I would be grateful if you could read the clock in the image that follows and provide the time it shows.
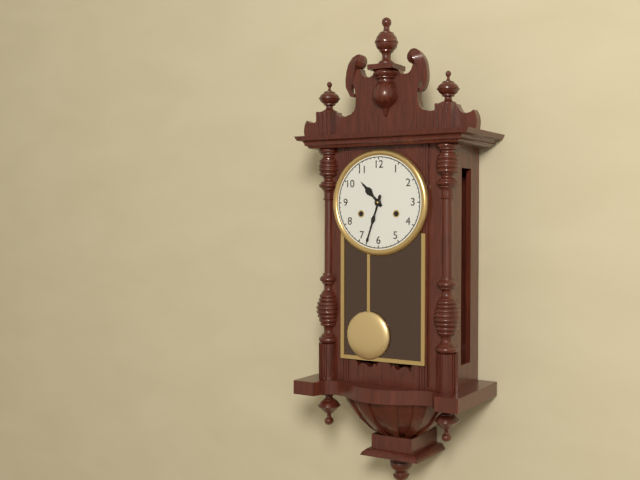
10:33
